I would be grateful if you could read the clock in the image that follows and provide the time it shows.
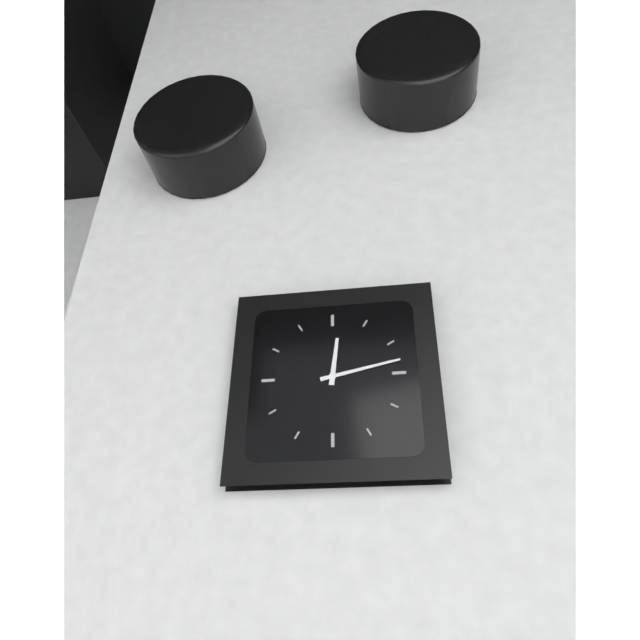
12:13
